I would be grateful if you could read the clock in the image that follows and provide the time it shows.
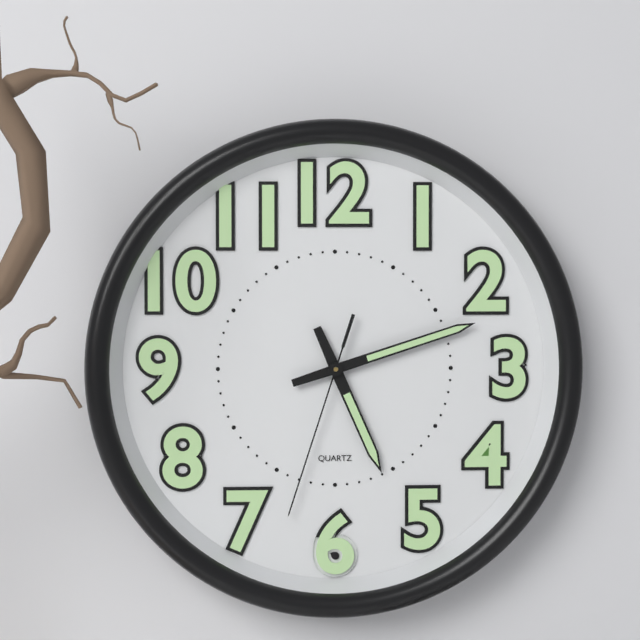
5:12:33
